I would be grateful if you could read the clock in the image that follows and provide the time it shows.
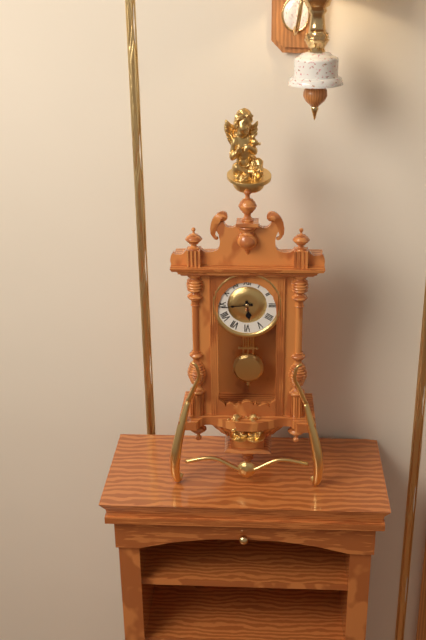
5:44
